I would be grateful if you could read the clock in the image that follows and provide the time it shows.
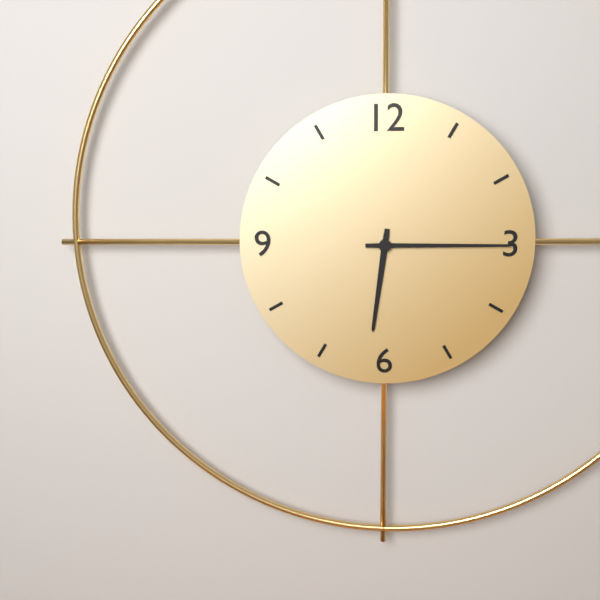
6:15
